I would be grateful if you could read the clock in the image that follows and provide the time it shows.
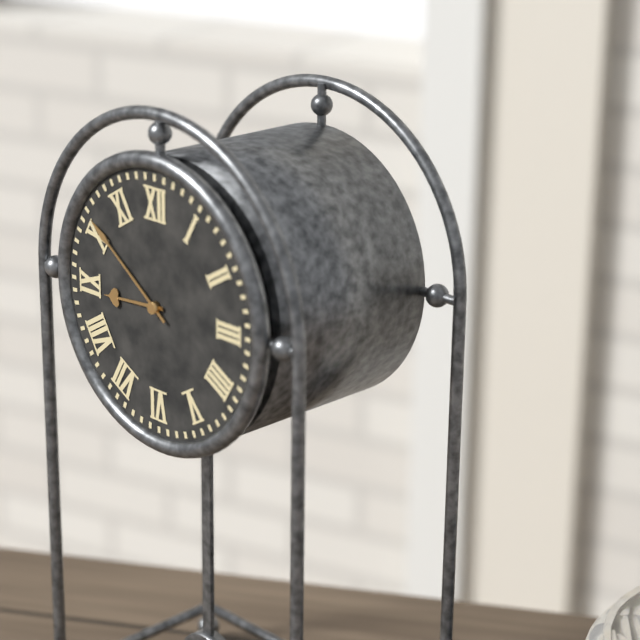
8:51
